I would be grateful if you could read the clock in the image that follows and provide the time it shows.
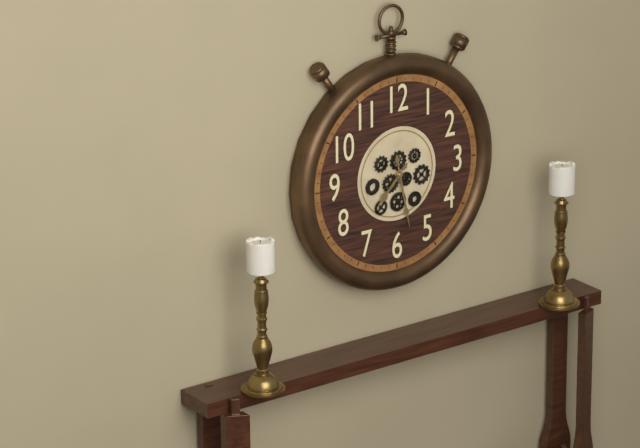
7:28
